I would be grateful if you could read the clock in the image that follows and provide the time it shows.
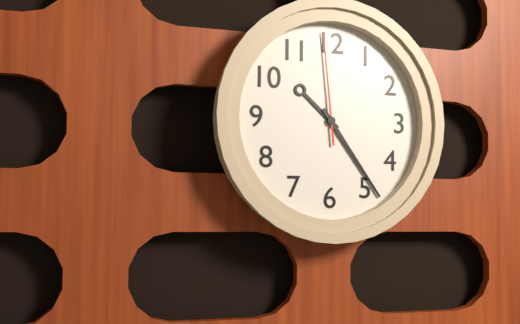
10:24:59
